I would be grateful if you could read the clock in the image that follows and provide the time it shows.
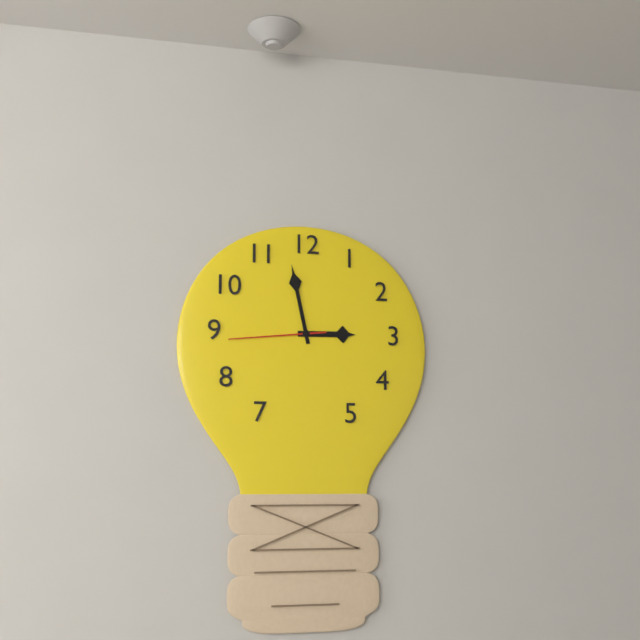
2:58:44
